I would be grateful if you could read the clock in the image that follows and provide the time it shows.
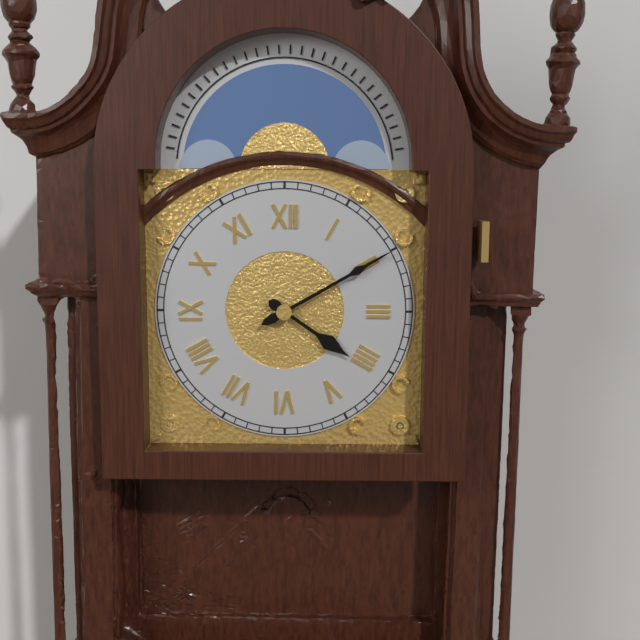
4:10
